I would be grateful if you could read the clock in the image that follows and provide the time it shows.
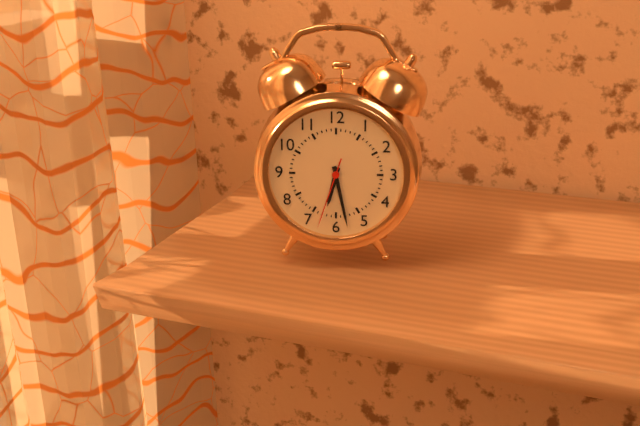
6:28:33
